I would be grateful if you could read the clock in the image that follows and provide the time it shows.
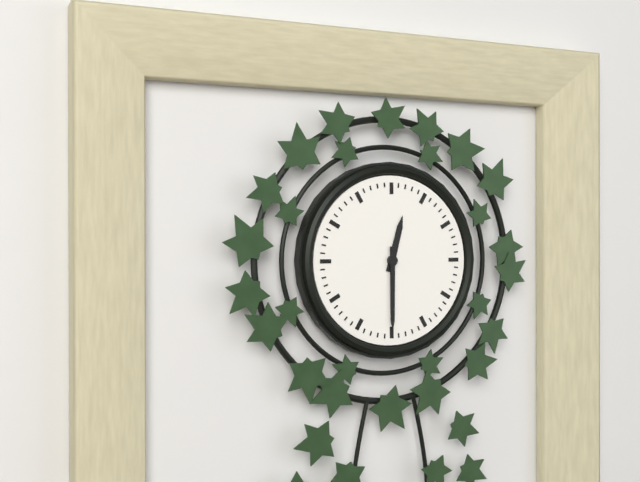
12:30
